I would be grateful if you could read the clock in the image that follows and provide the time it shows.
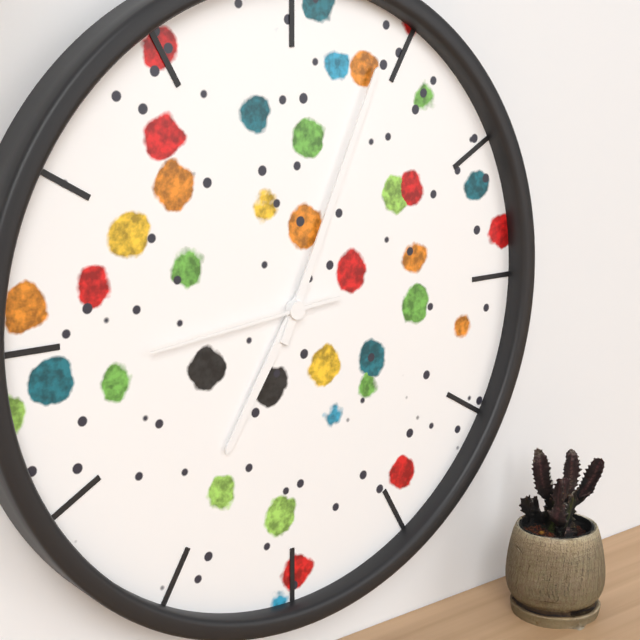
7:04:44
